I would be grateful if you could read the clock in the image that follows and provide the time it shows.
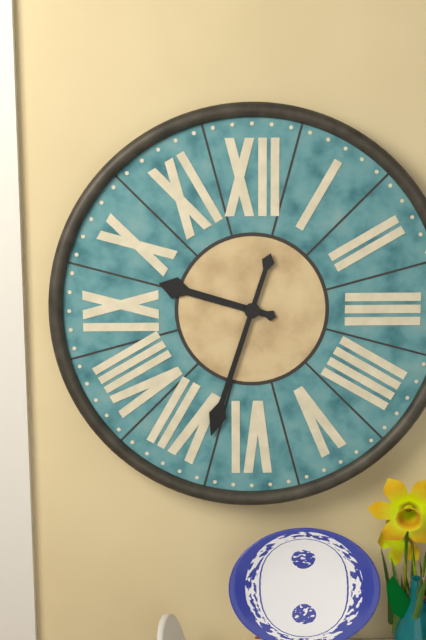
9:33
